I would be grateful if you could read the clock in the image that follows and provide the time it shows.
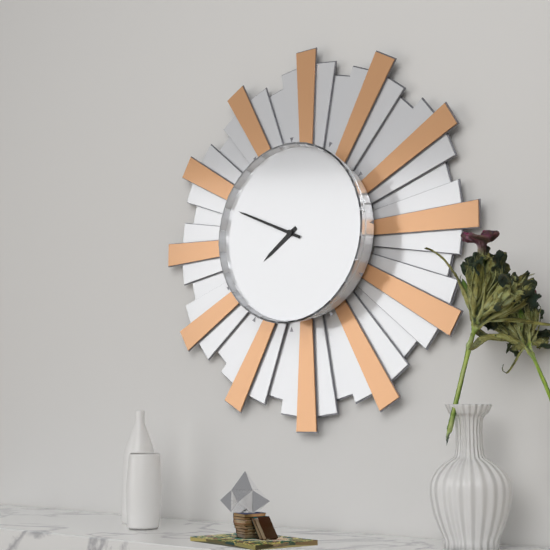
7:49
